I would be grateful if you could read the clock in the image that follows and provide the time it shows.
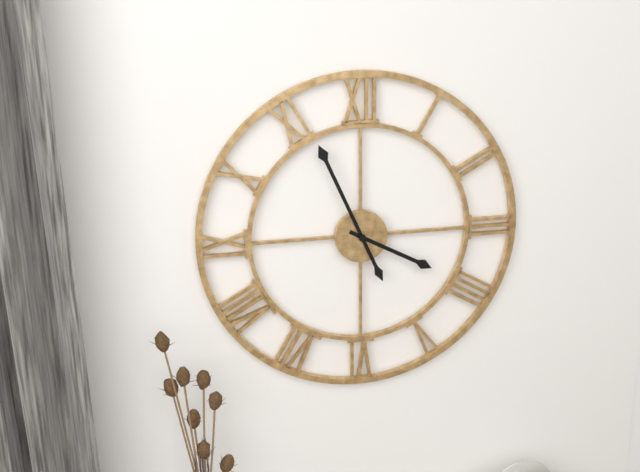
3:56
